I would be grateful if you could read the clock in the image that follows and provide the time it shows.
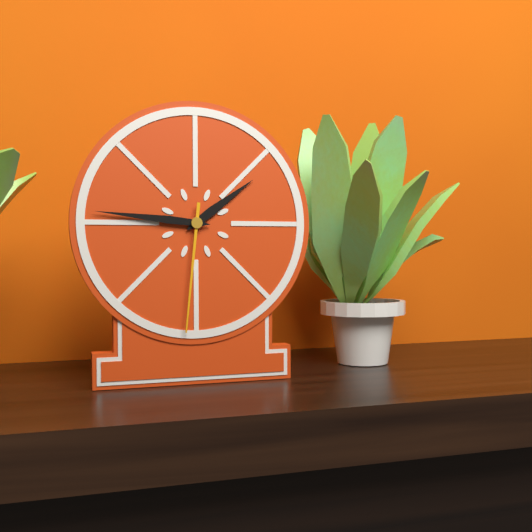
1:46:31
